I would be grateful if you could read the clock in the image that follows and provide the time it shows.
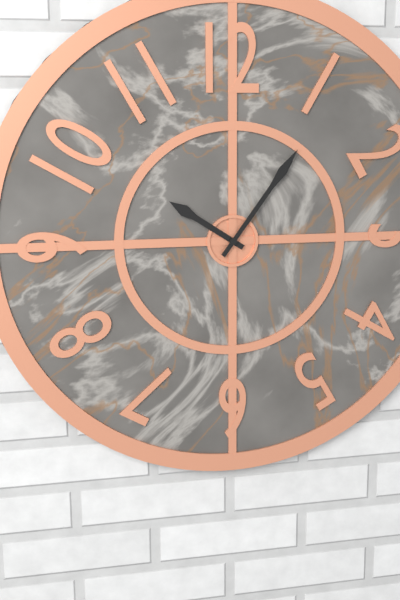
10:06
